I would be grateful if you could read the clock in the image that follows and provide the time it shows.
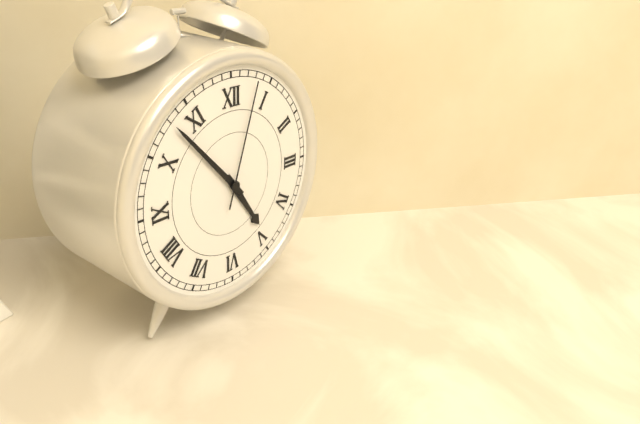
4:53:03
